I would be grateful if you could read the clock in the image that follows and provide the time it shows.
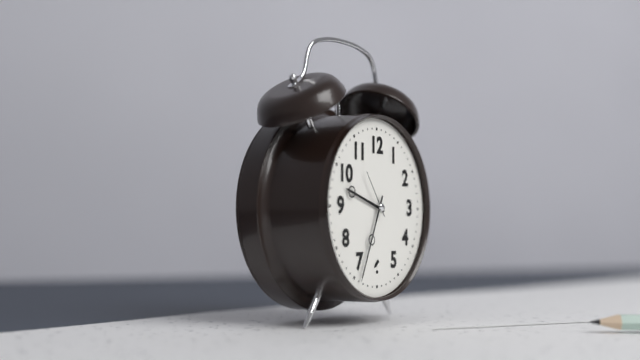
9:34:54
